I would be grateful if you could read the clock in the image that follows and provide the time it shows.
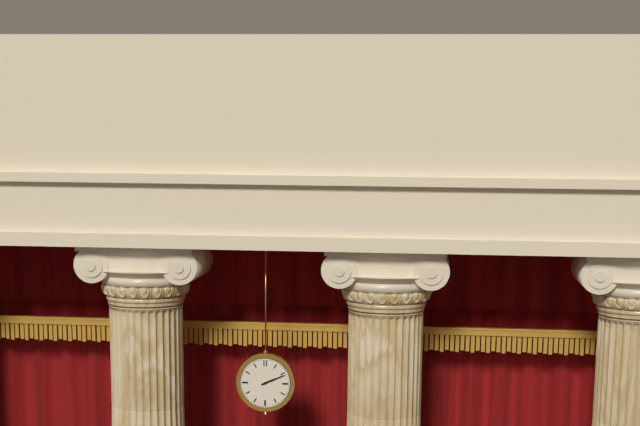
2:11
